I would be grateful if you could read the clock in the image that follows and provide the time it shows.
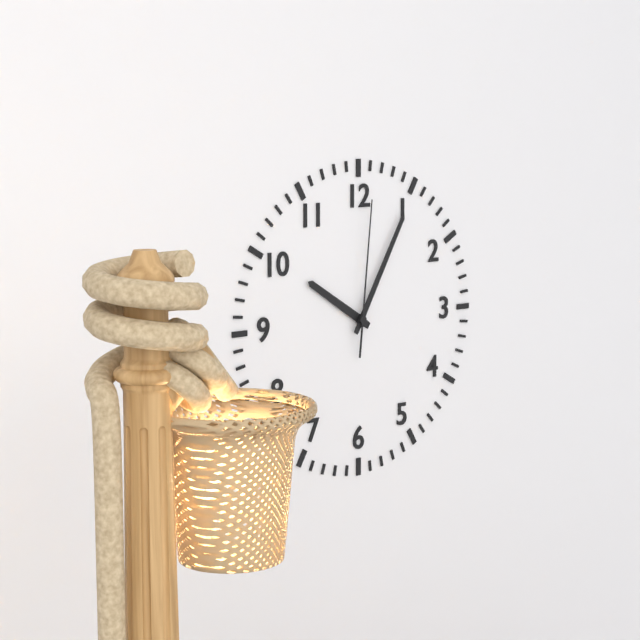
10:05:01
